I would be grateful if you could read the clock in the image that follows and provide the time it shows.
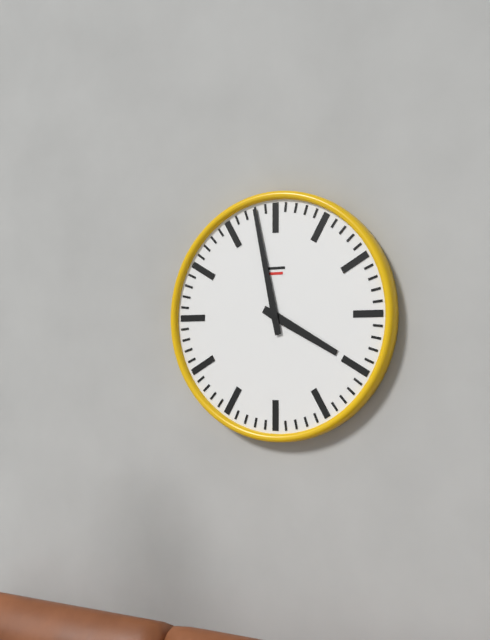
3:58
